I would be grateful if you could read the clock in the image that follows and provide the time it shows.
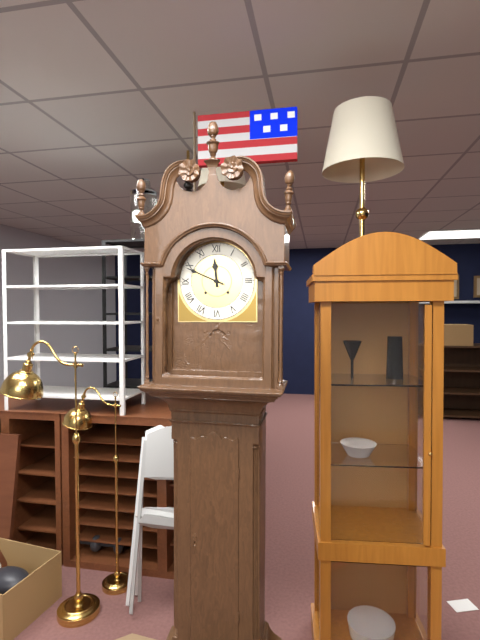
11:49
